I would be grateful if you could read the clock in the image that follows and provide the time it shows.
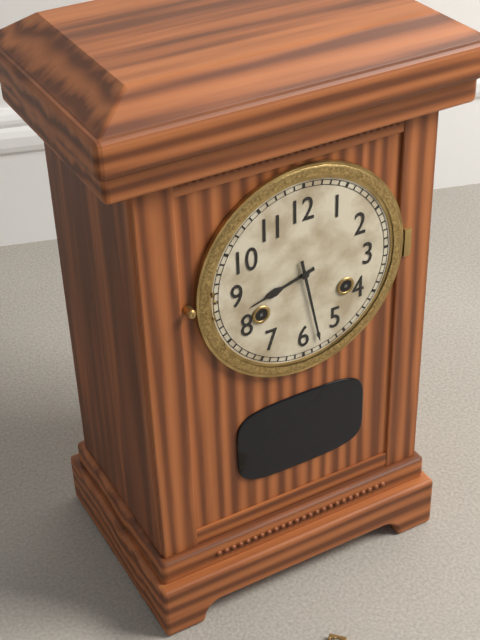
8:28
